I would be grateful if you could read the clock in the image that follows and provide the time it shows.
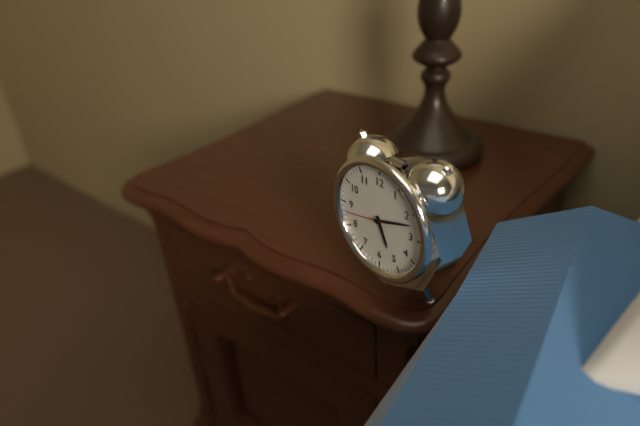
5:12
